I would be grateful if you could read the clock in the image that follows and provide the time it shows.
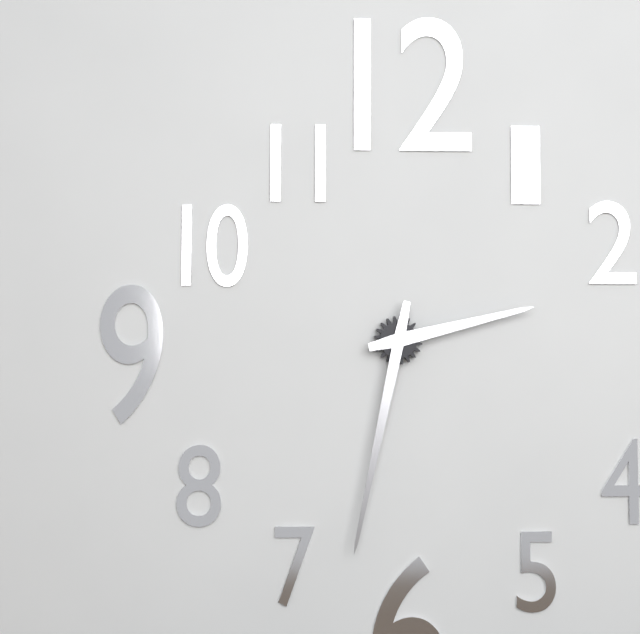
2:32
